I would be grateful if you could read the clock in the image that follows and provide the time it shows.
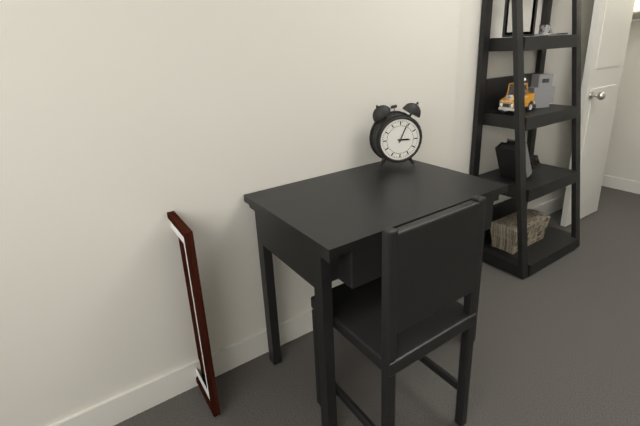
3:04
